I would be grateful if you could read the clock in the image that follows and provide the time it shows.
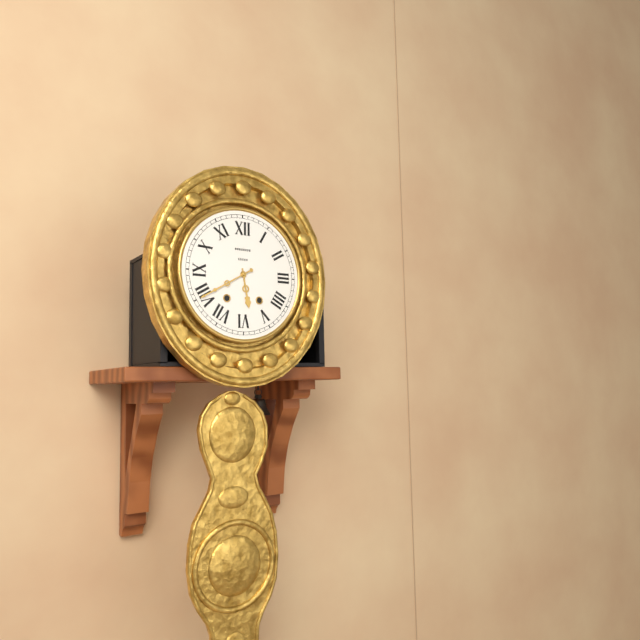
5:40
